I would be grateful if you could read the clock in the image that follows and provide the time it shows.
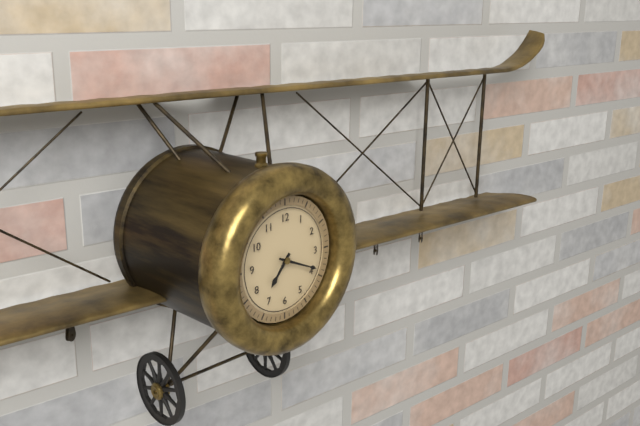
7:19
